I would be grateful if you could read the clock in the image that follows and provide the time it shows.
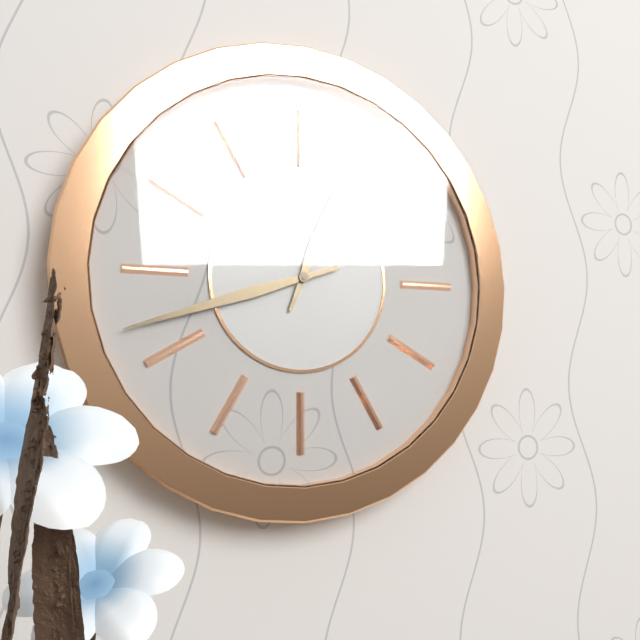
12:42
